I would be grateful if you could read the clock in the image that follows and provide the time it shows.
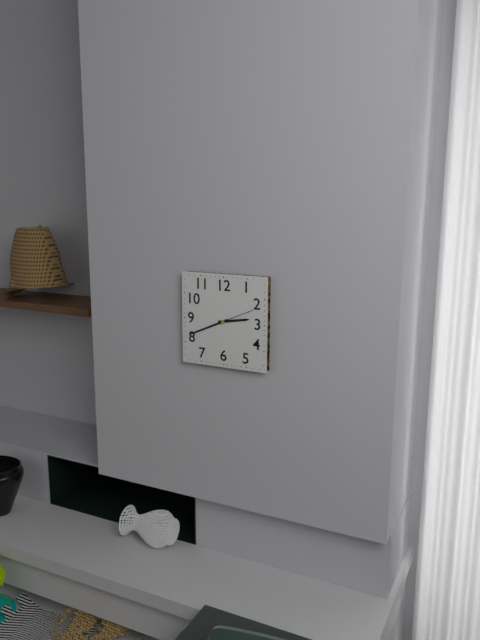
2:41
